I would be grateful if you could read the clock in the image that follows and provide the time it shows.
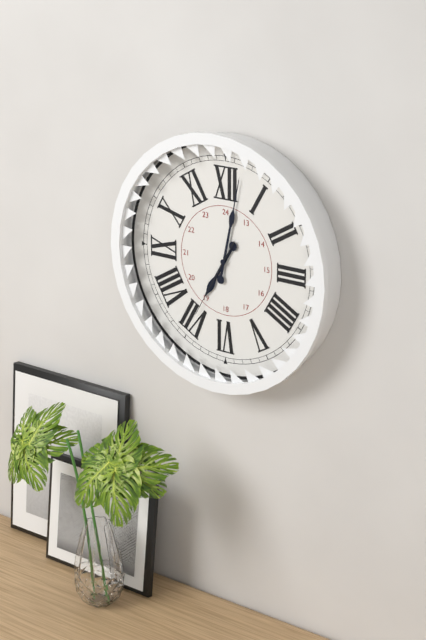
7:02:35
